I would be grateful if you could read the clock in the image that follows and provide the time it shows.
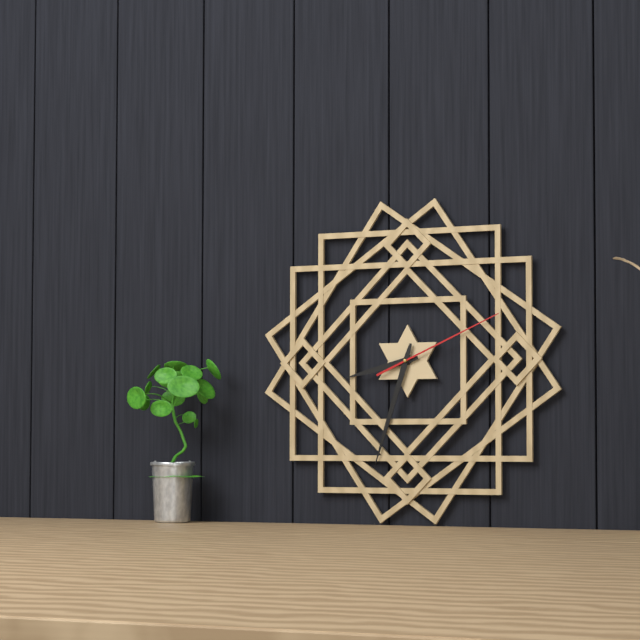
8:33:11
